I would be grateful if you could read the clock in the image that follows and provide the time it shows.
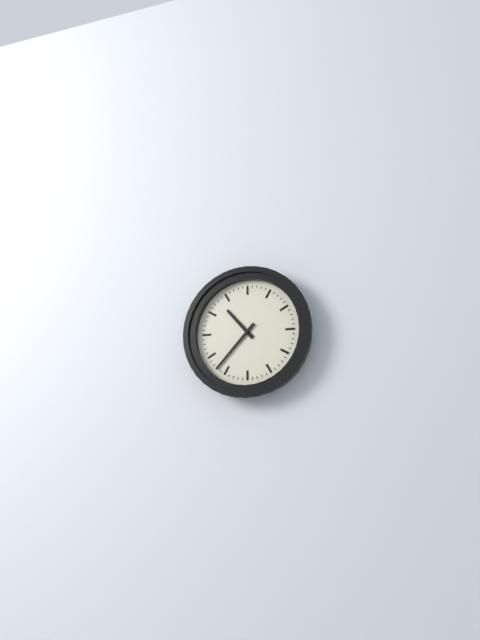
10:37
